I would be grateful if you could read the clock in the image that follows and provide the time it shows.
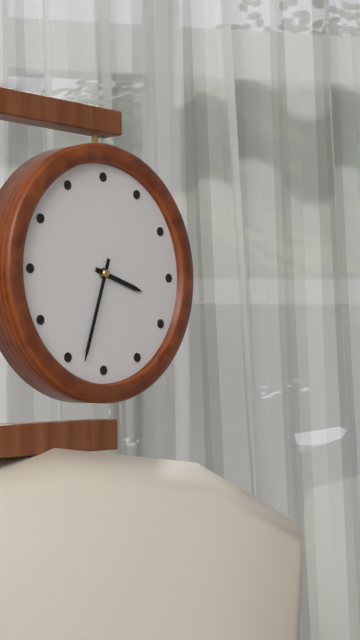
3:33
